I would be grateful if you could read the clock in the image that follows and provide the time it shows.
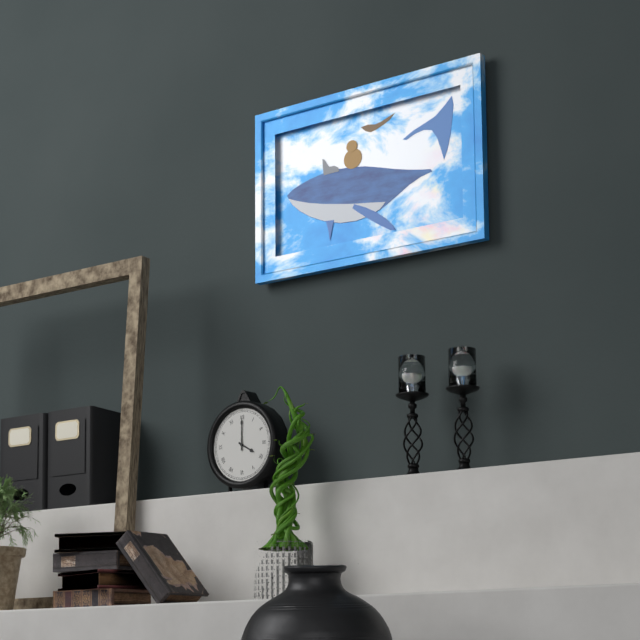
4:00
